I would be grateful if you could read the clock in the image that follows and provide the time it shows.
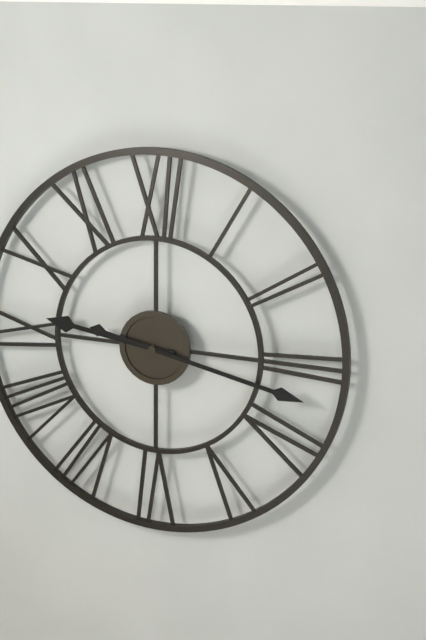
9:17
